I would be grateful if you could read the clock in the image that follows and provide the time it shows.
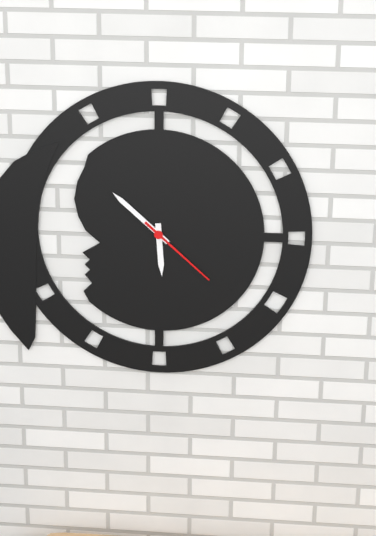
5:52:22
